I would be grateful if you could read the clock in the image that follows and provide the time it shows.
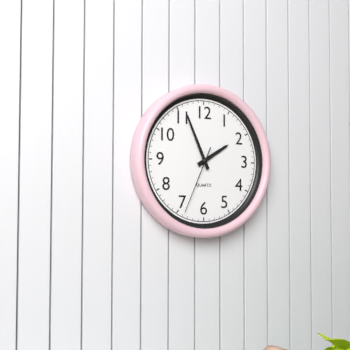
1:56:34
